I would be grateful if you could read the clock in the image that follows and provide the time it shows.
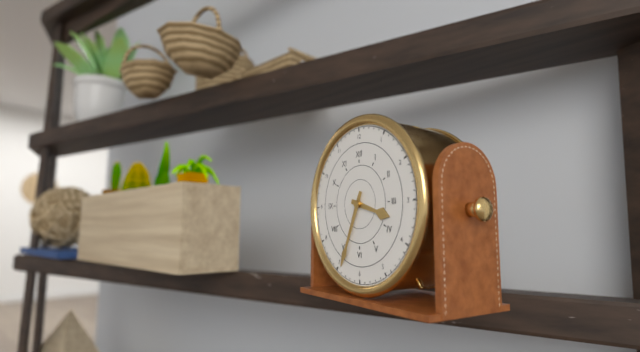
3:34
